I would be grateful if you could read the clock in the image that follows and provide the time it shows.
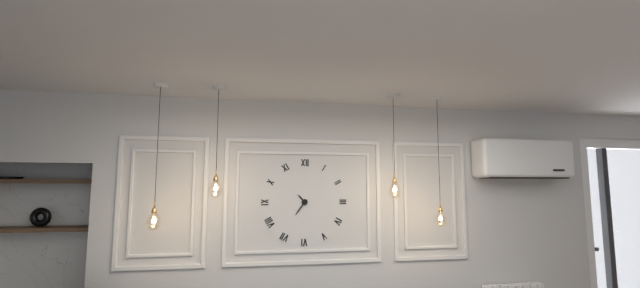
10:36
